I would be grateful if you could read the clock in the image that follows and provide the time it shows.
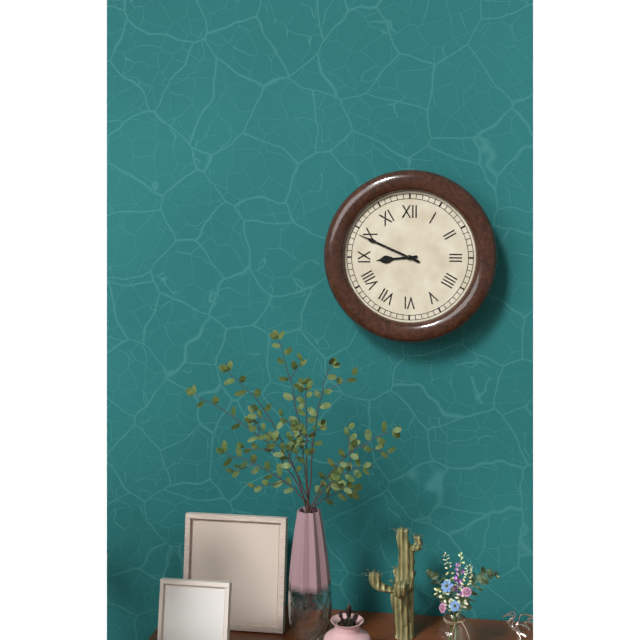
8:49
